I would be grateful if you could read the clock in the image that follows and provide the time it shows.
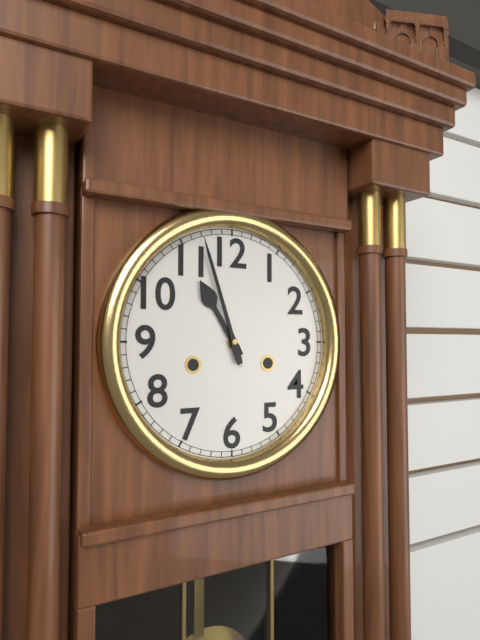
10:57
